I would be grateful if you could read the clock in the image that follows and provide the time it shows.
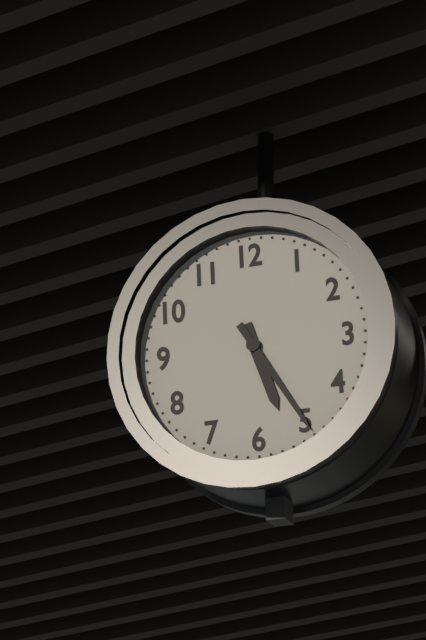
5:25
